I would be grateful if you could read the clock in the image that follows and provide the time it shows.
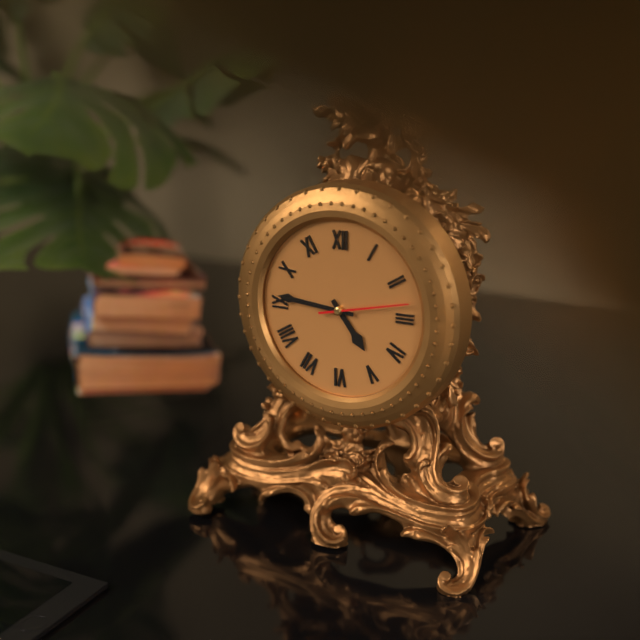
4:46:13
